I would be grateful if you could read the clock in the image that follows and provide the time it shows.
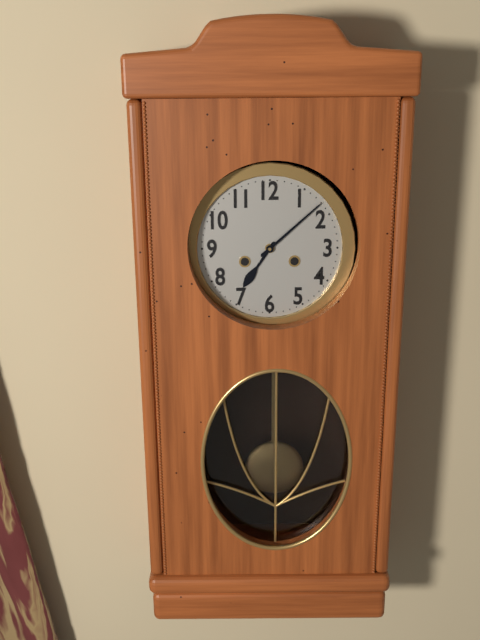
7:08
